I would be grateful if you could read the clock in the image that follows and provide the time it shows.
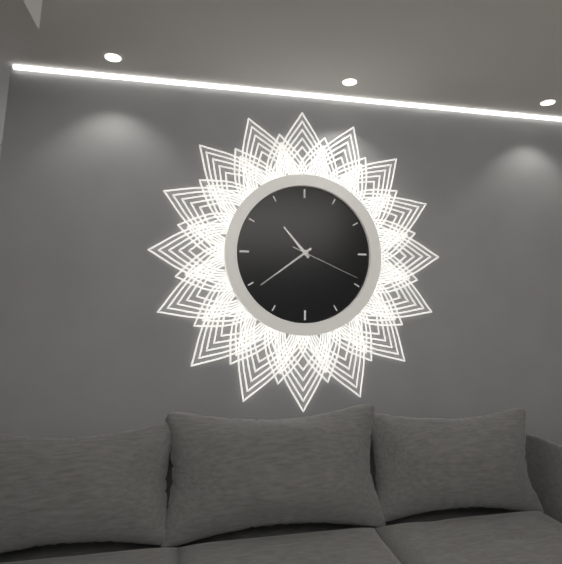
10:39:19
